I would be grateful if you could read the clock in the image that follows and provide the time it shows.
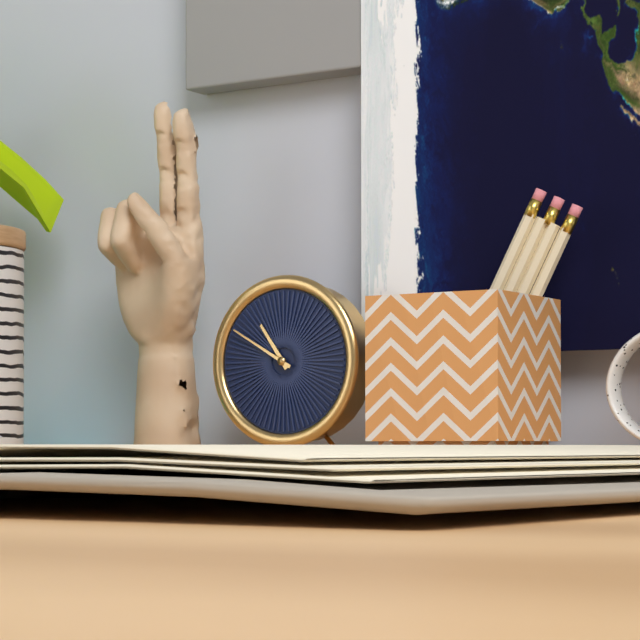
10:50
